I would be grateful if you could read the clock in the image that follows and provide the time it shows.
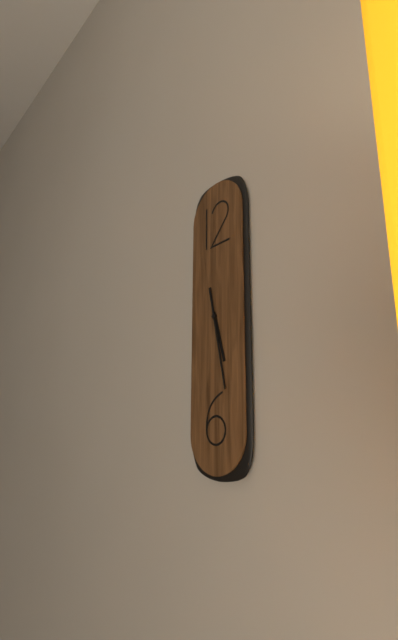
5:28
